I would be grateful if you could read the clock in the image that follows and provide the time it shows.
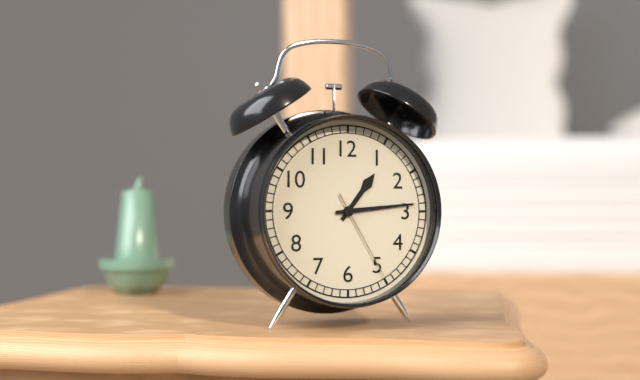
1:14:25
